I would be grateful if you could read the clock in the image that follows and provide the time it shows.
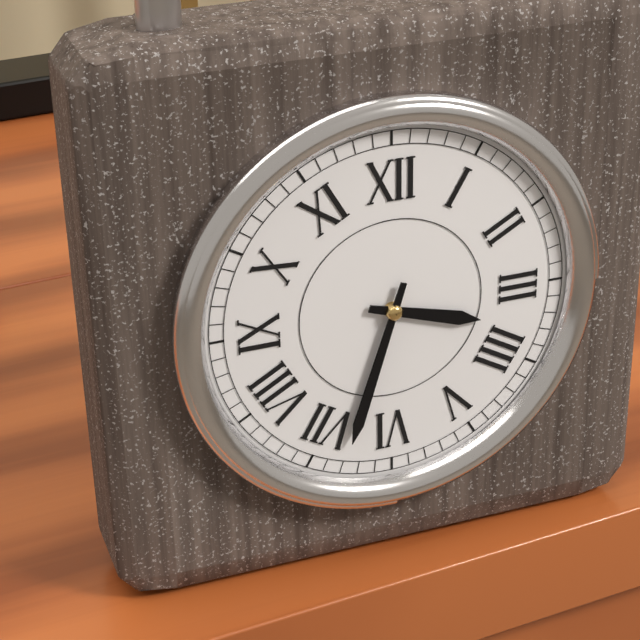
3:33
